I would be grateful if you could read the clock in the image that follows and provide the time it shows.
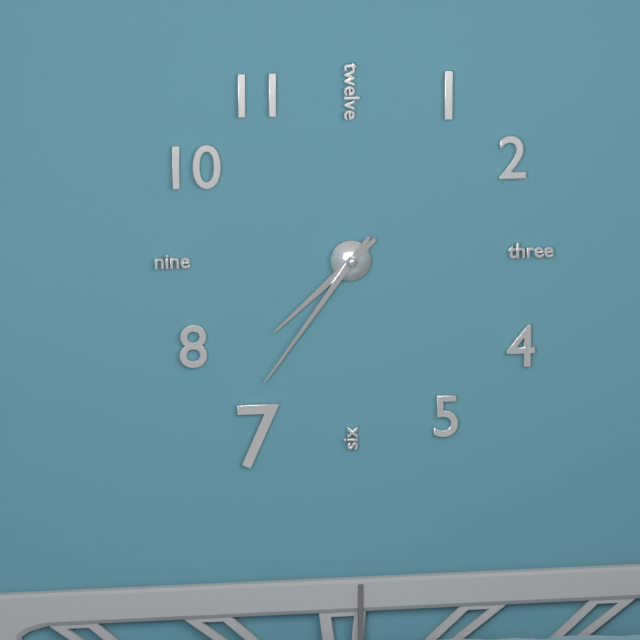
7:36
